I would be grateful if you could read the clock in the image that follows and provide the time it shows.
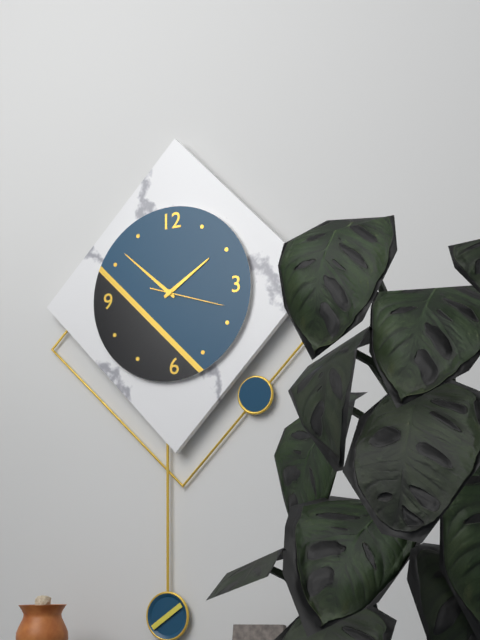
1:52:18
